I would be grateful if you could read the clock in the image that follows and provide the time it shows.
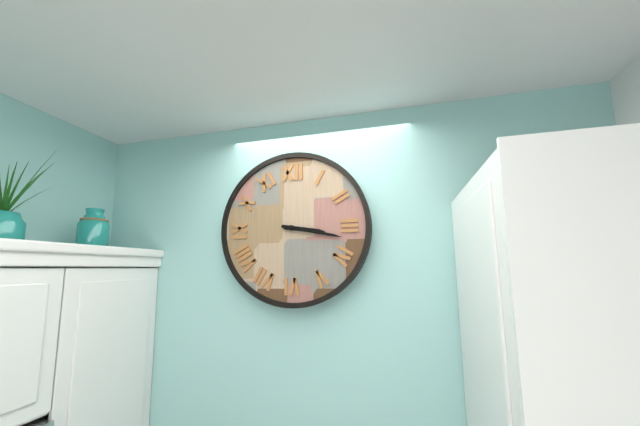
3:17
